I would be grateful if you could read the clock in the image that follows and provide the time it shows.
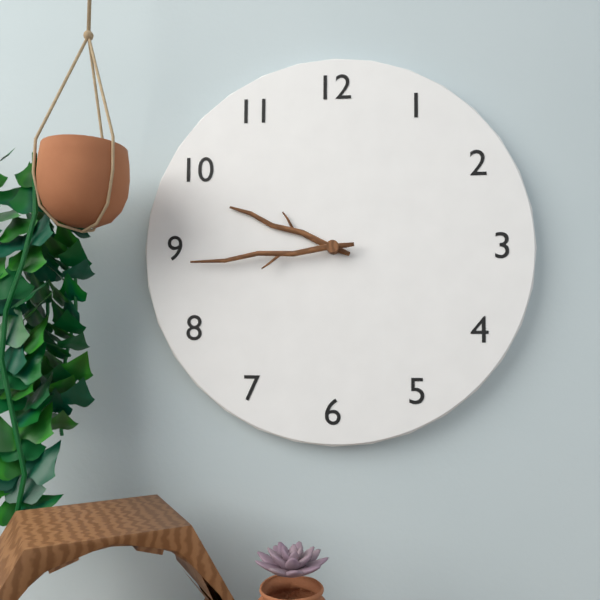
9:44
